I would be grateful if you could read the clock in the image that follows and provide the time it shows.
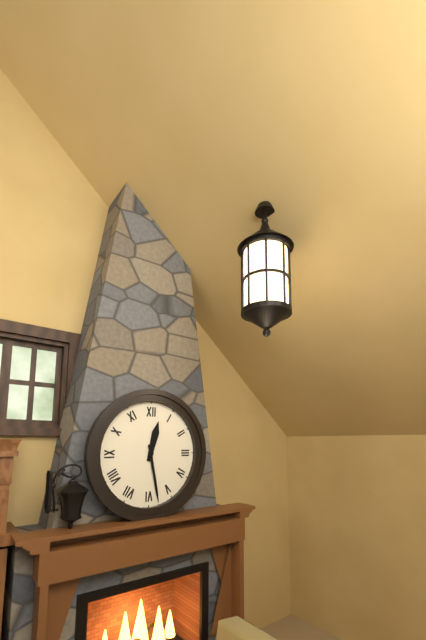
12:28
